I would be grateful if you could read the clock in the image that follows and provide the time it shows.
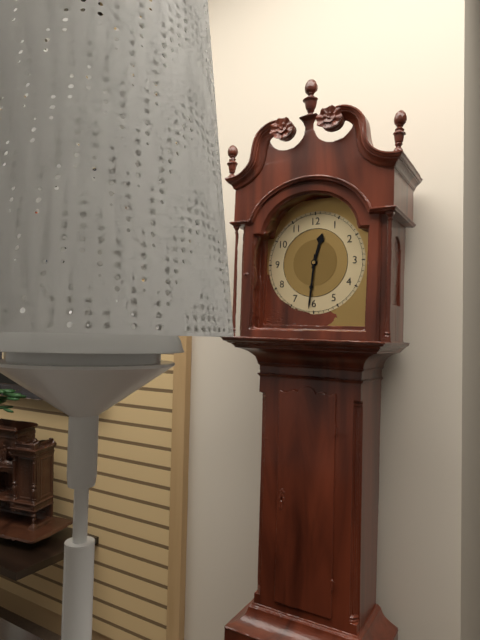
12:31
